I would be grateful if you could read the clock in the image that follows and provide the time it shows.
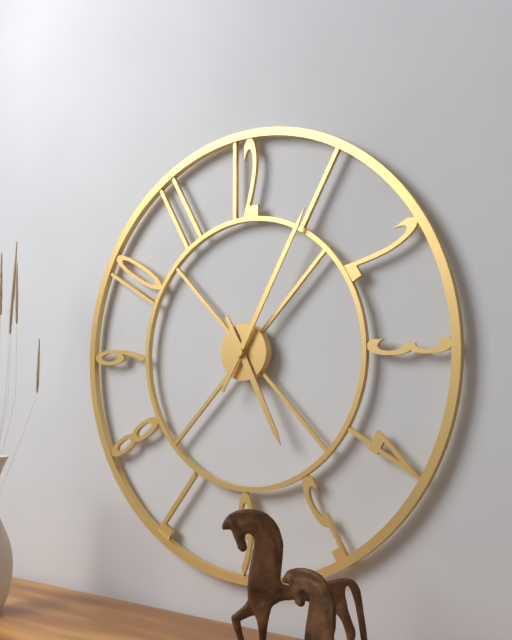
5:05
